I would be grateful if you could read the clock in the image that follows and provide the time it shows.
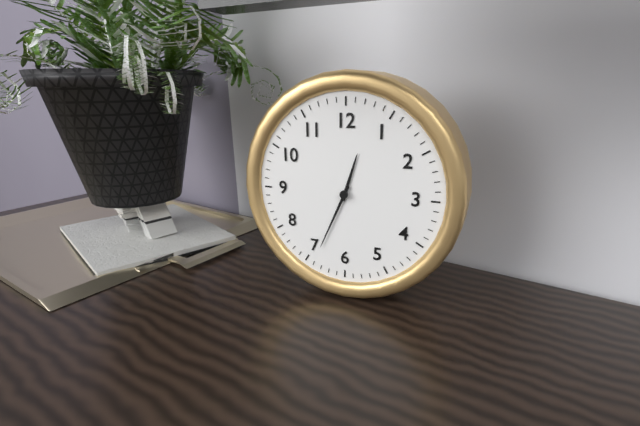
12:34
